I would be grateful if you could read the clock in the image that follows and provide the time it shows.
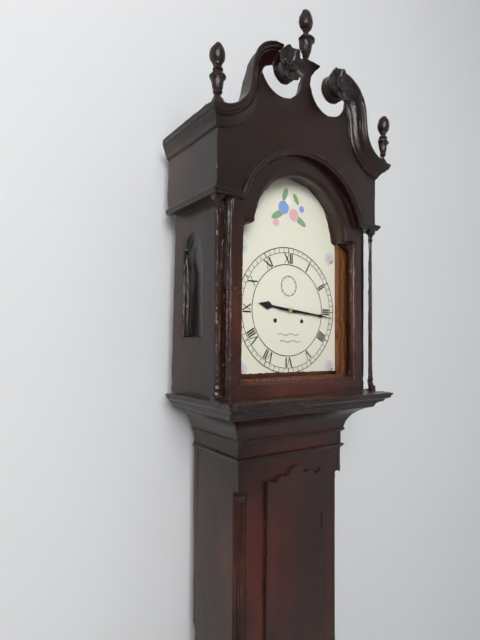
9:16
